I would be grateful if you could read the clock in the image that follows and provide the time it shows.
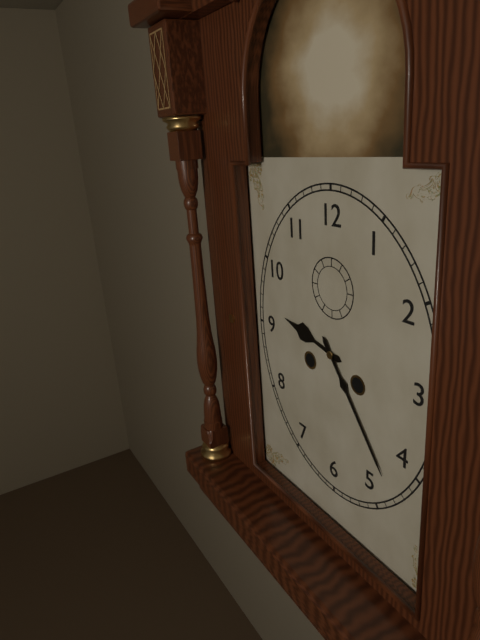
9:24
